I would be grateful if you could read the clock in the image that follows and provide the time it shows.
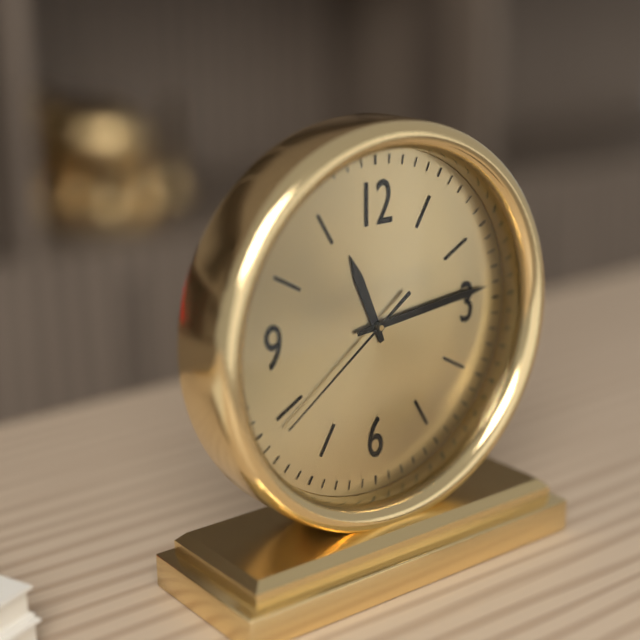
11:14:39
